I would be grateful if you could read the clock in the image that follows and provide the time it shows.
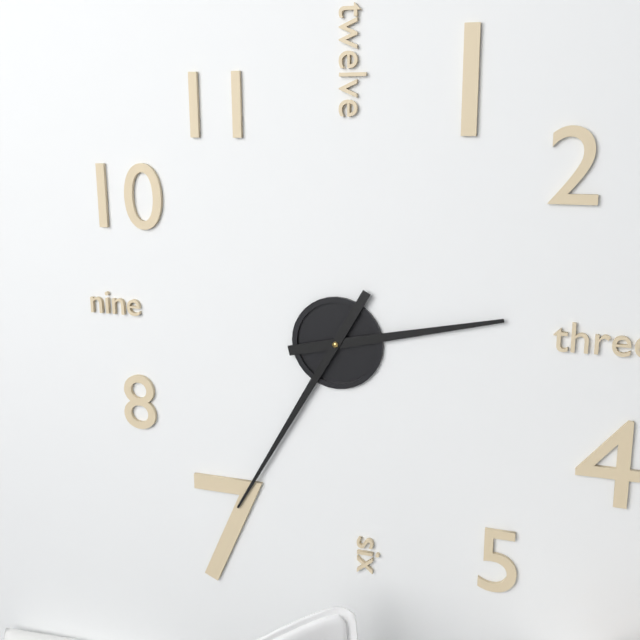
2:35
